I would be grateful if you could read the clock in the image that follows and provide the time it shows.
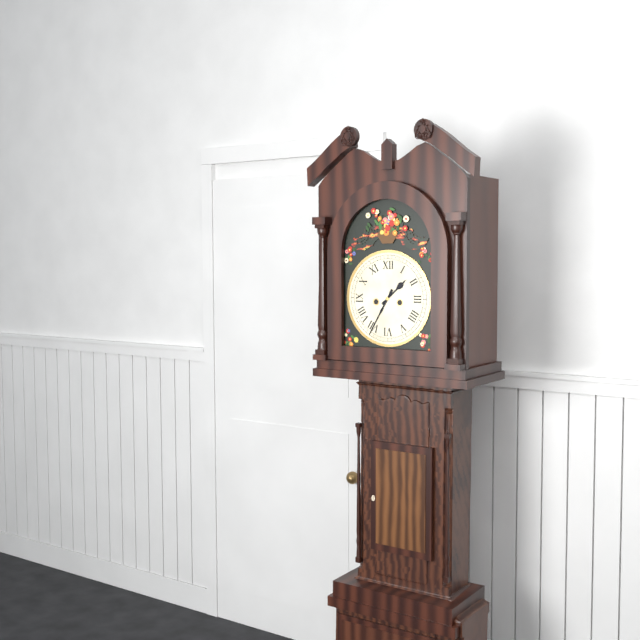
1:35
